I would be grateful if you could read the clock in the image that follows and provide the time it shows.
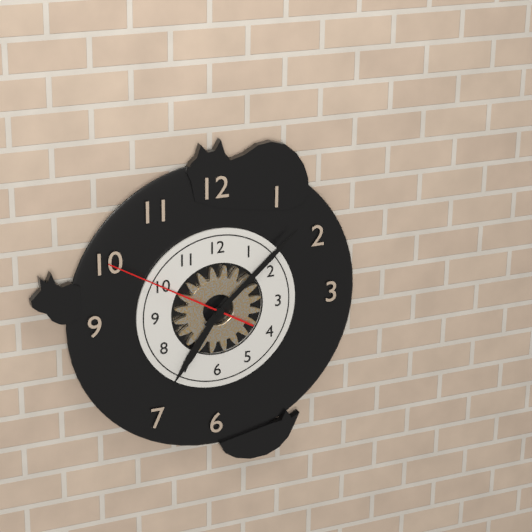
7:08:50
